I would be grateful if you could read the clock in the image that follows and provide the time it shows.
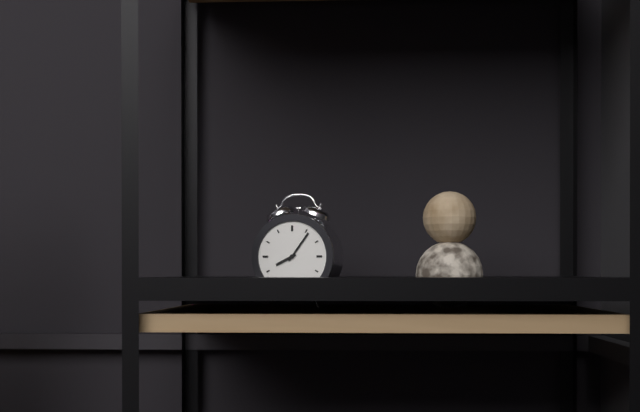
8:06
